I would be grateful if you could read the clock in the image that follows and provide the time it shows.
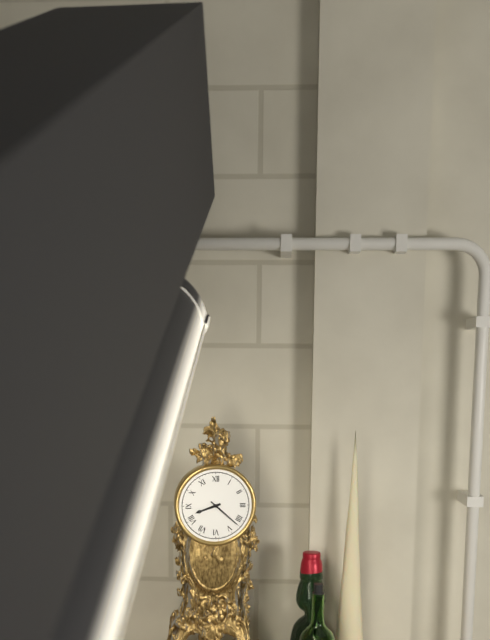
8:22
